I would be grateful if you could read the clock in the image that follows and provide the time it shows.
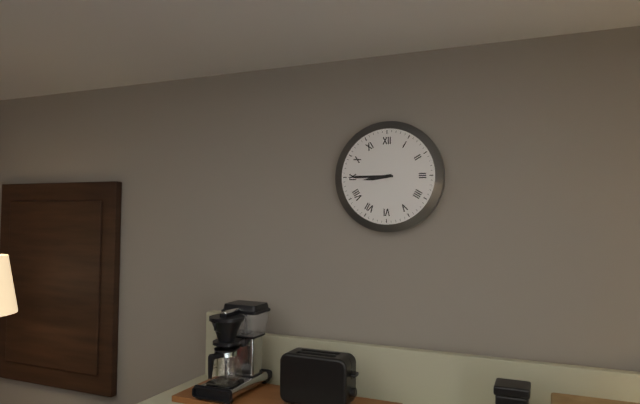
8:45
